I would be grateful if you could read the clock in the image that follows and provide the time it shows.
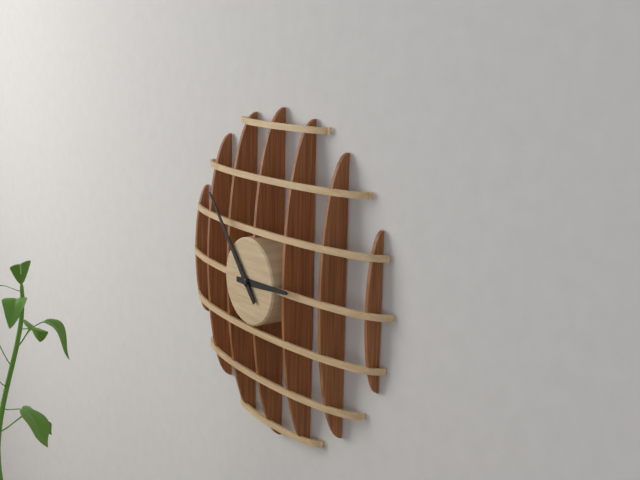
2:53
